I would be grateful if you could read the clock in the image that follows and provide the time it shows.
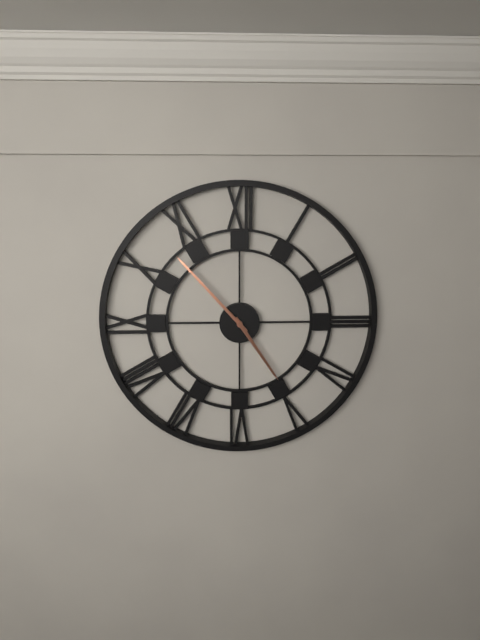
4:53
